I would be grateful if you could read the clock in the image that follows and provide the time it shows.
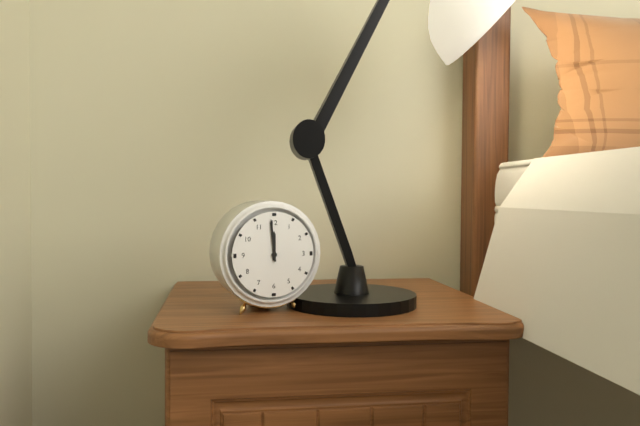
11:59
